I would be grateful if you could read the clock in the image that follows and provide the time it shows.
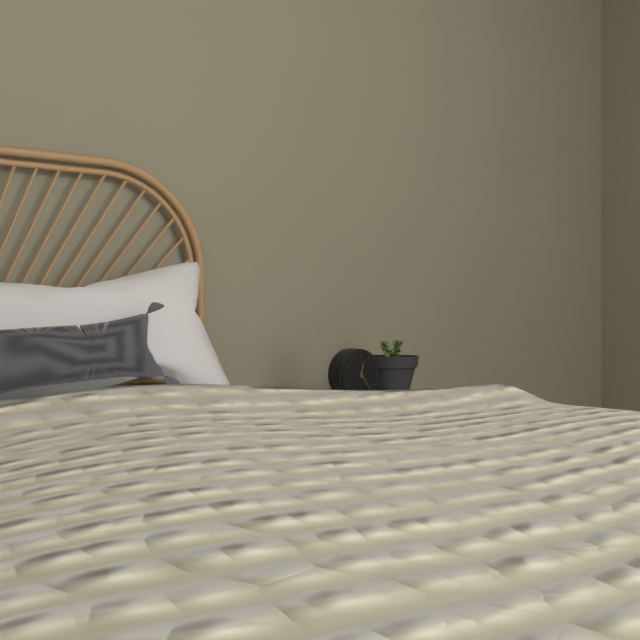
12:24
